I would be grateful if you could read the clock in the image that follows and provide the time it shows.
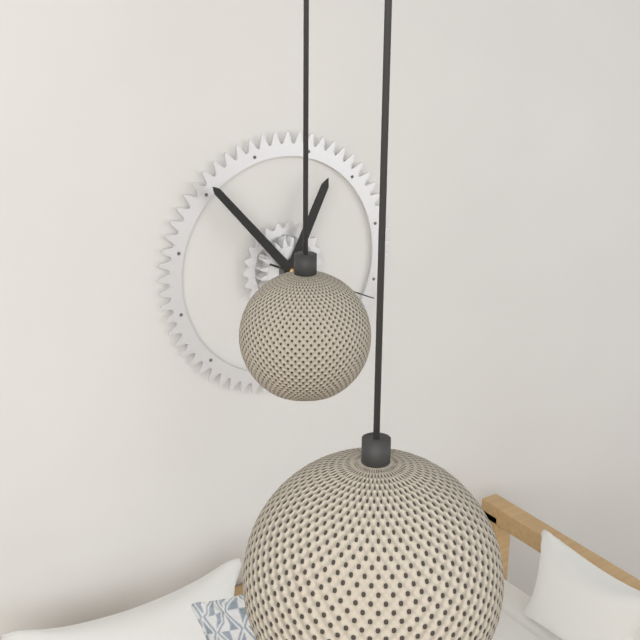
12:53:19
